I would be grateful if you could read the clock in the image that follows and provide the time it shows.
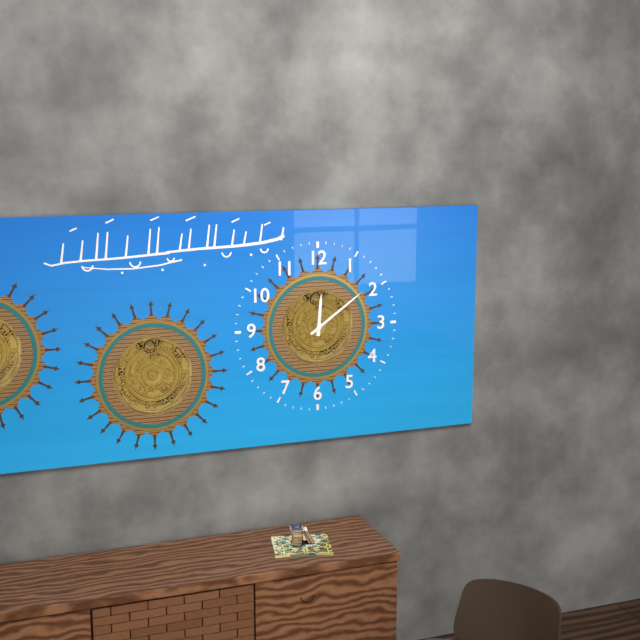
12:09
